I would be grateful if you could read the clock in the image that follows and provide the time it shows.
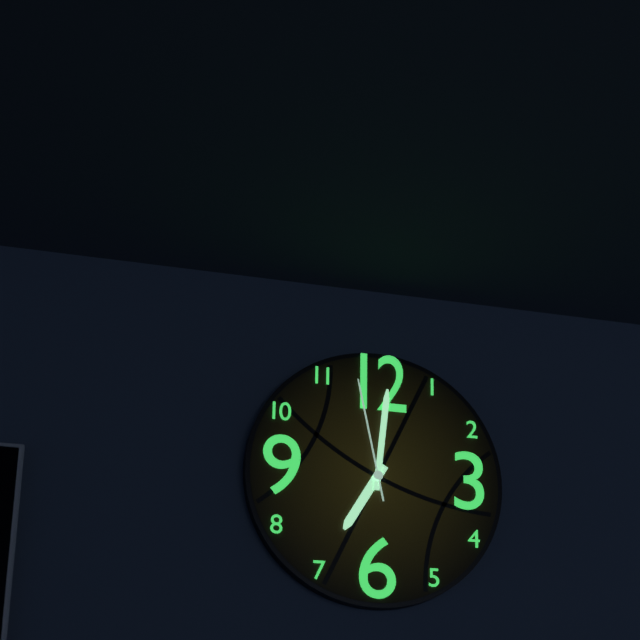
7:01:58
